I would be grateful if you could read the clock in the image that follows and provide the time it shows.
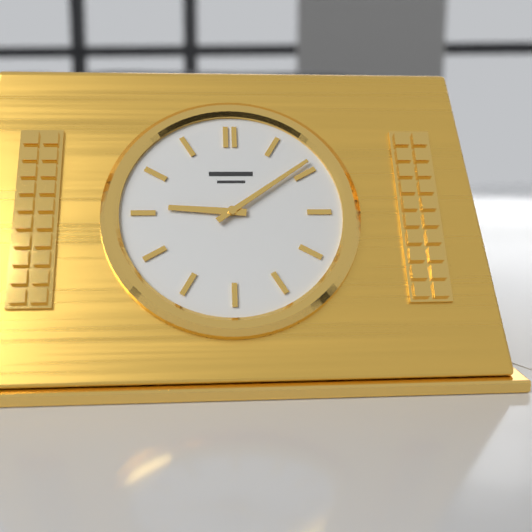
9:09
